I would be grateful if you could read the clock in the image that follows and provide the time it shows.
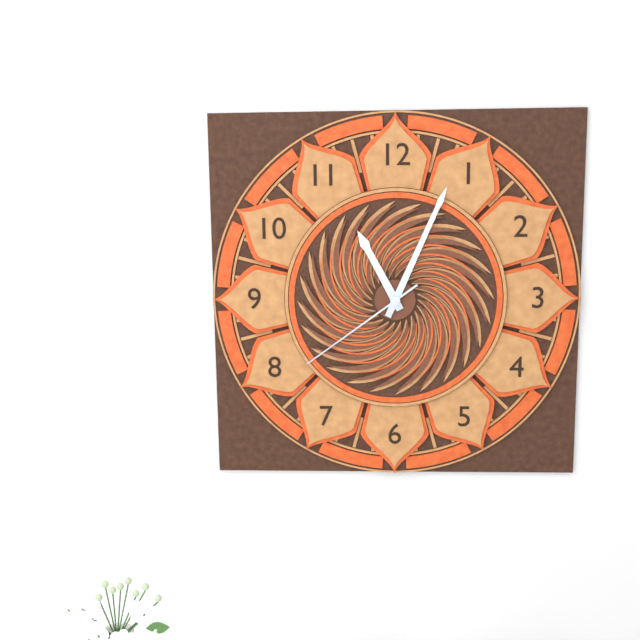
11:04:39
